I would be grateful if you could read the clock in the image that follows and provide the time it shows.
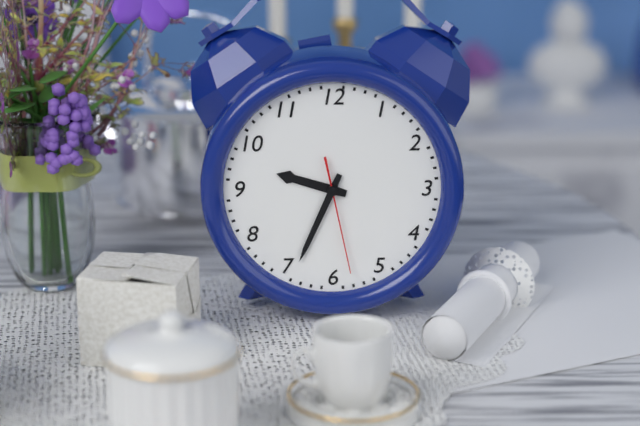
9:34:28
